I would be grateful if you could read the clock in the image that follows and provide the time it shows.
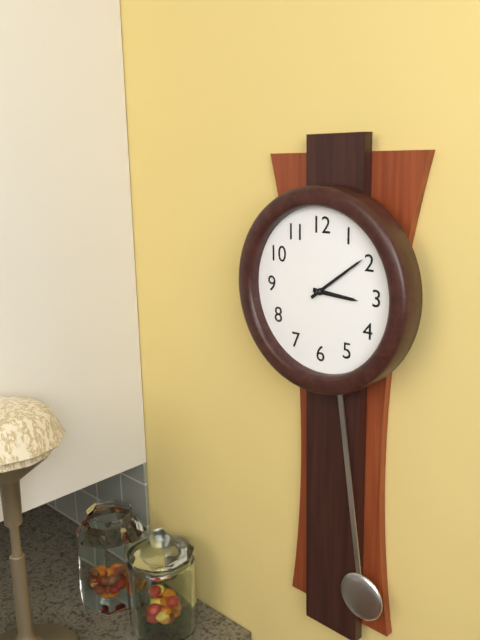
3:09
